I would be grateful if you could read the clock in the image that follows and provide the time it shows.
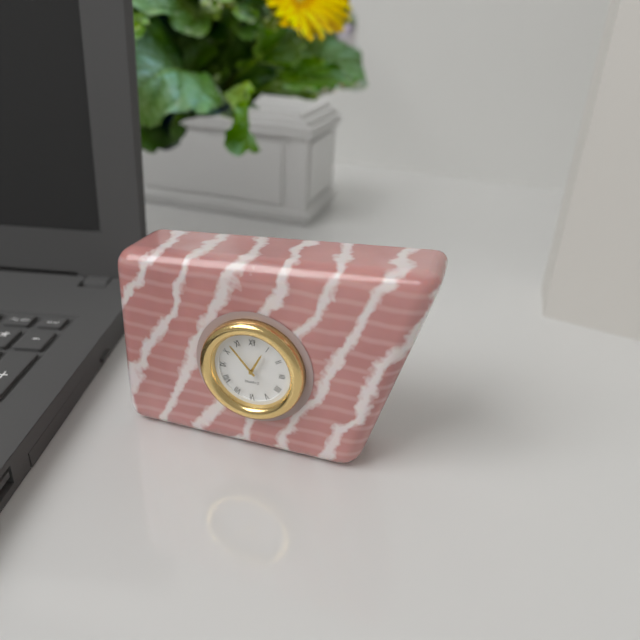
12:53
